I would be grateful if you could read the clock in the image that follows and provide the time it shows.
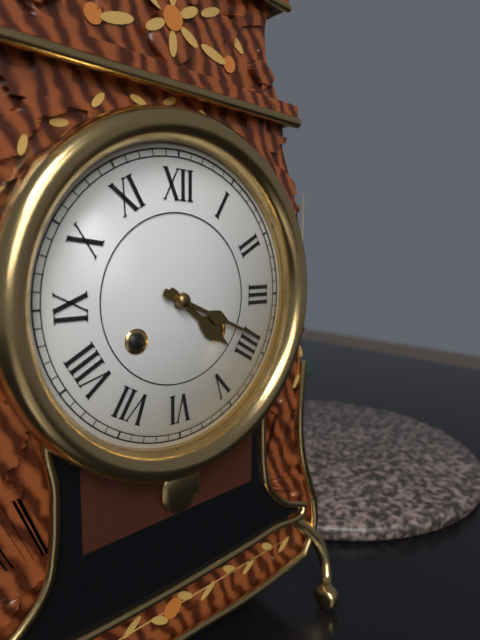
4:19
